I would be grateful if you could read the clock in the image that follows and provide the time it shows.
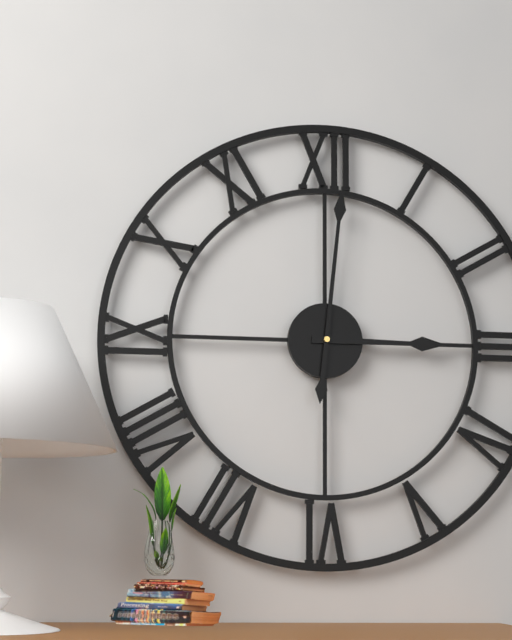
3:01
